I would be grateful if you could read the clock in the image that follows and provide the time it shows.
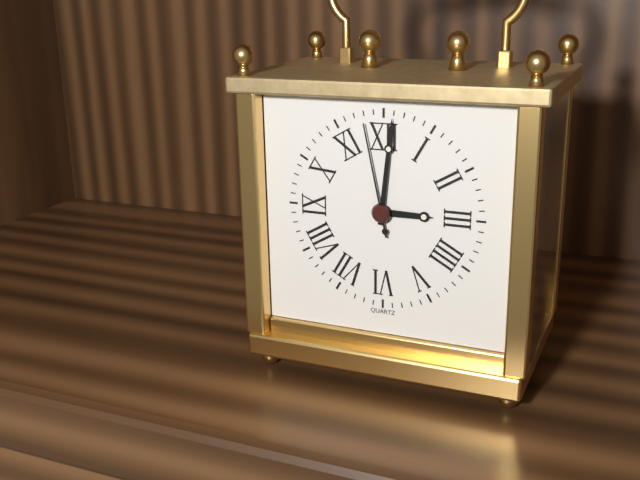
3:01:58
